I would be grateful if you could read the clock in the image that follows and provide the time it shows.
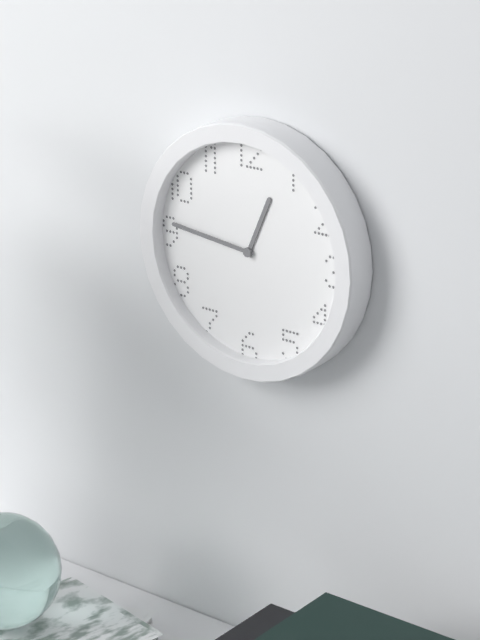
12:46
